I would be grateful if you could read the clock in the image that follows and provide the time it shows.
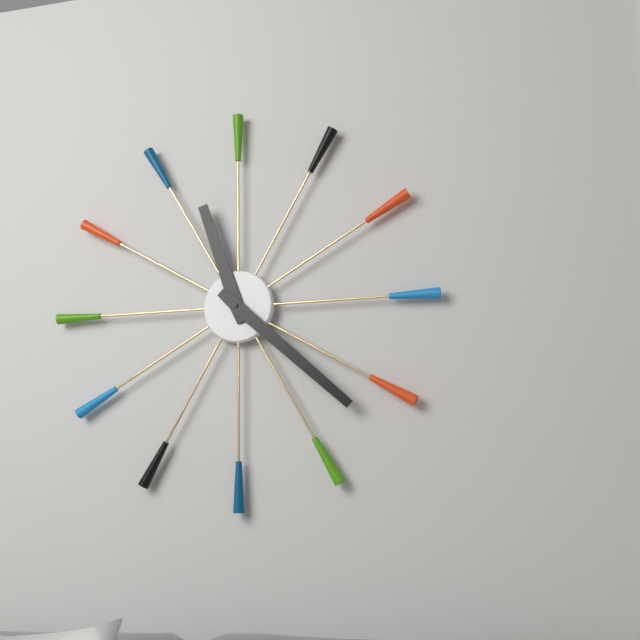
11:22
